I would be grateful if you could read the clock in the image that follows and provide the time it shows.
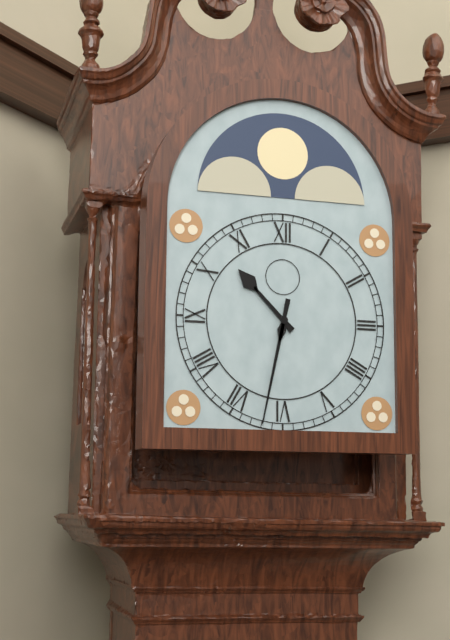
10:32
